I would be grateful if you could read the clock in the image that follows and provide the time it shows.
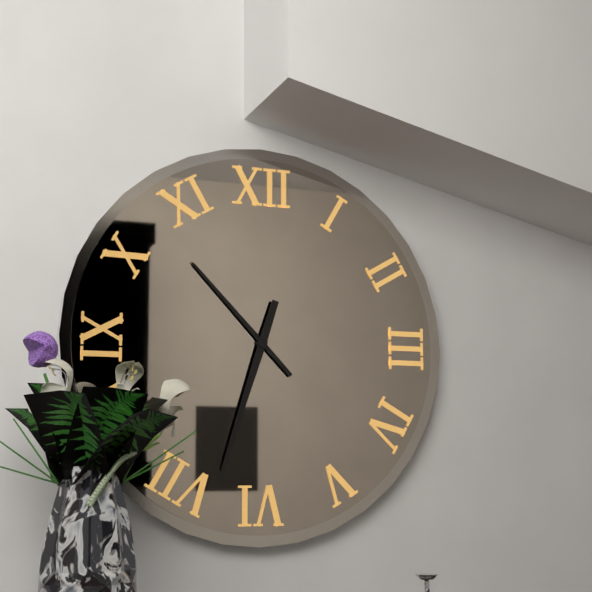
10:33
